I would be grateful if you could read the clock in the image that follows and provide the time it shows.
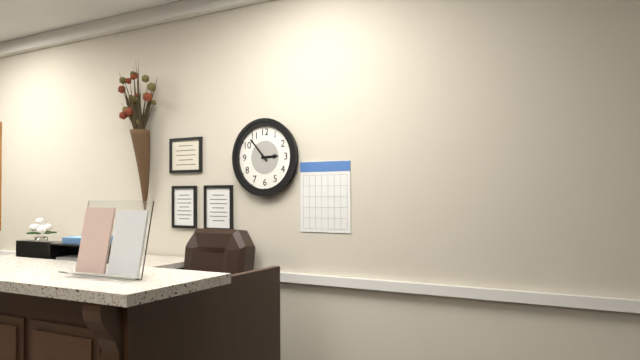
2:53
